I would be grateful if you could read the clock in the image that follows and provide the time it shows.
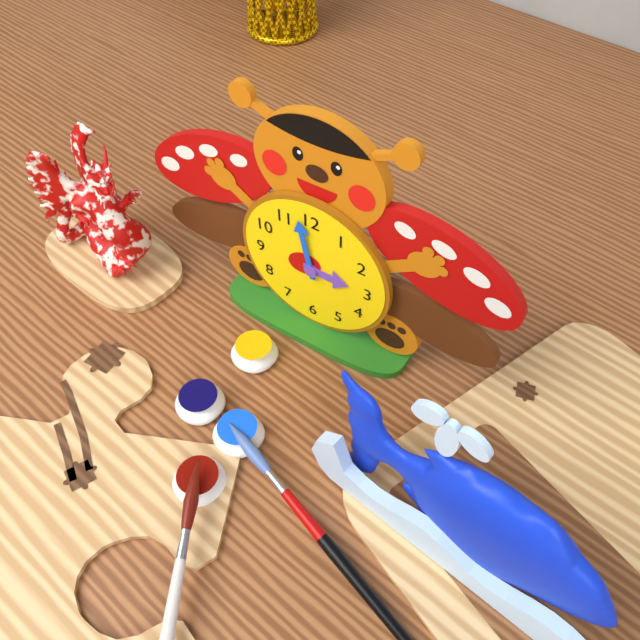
2:58
